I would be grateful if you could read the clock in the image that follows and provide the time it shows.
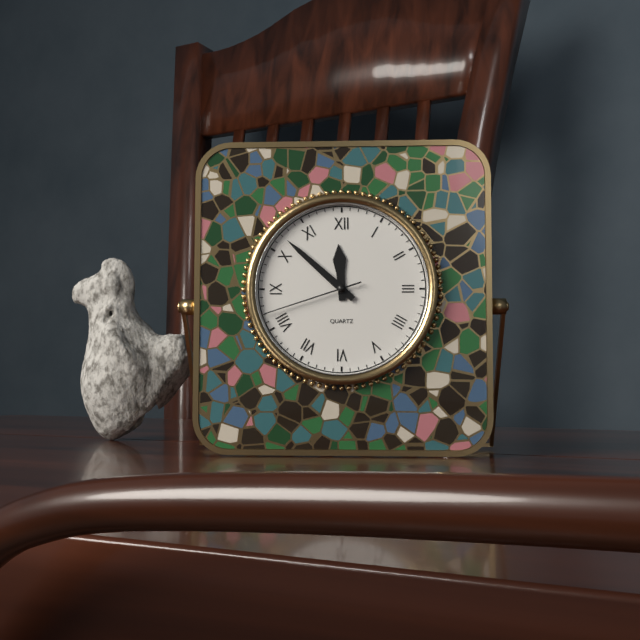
11:52:42
